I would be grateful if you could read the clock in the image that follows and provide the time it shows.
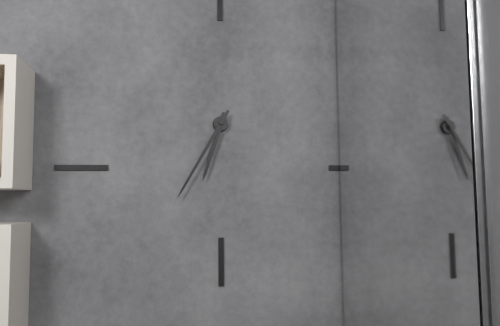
6:35
